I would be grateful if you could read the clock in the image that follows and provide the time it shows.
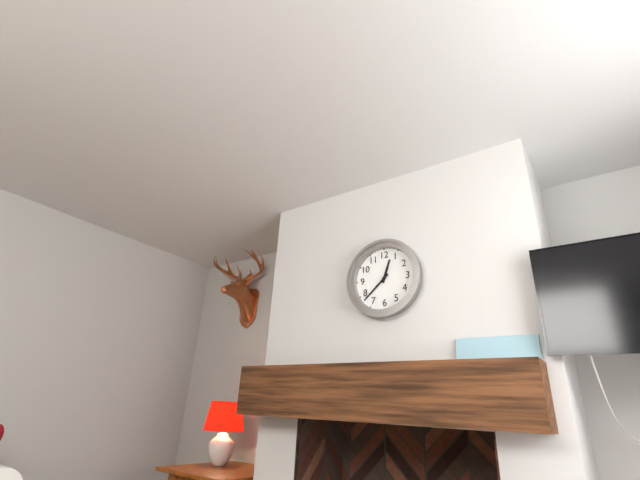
12:38
